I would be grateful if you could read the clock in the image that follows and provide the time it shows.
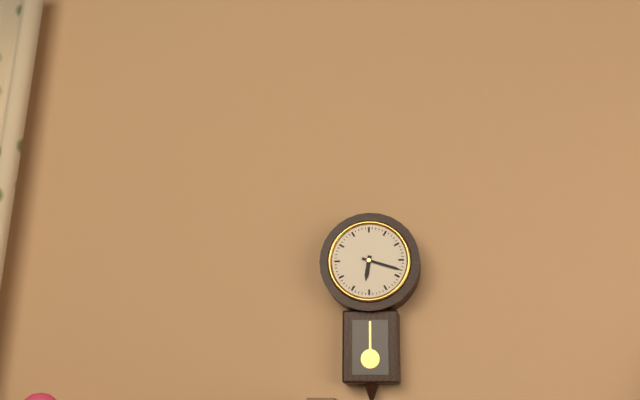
6:18
